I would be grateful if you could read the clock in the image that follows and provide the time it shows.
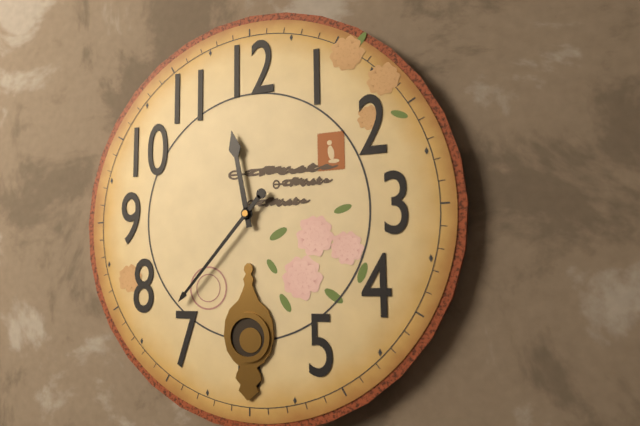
11:37
